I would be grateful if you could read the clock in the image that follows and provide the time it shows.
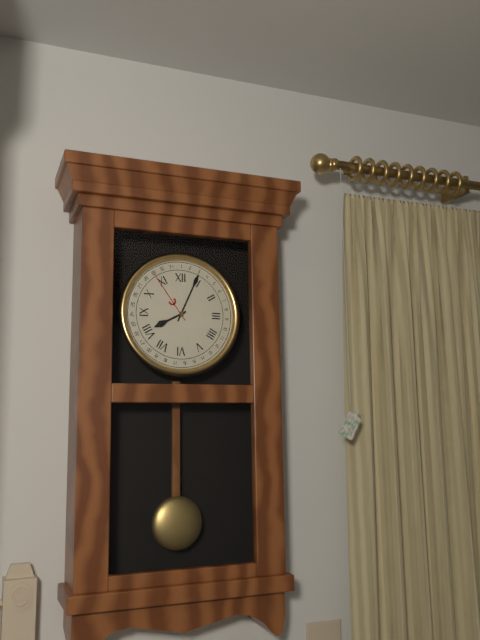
8:04
